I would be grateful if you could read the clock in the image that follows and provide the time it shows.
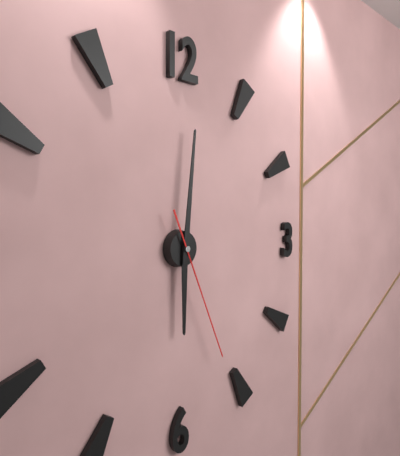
6:01:26
